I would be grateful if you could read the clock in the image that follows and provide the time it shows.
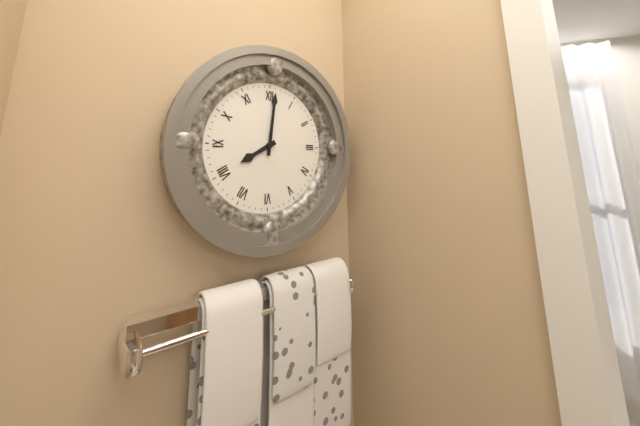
8:01
